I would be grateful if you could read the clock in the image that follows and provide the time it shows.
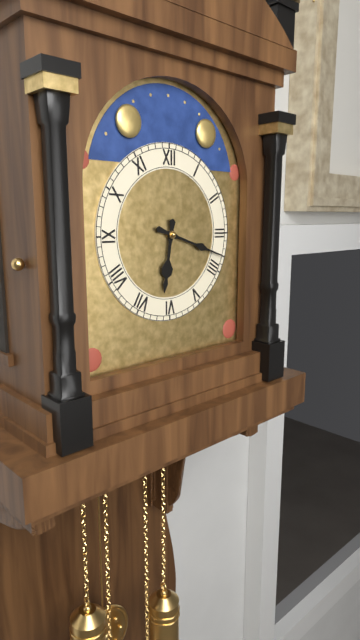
6:18
